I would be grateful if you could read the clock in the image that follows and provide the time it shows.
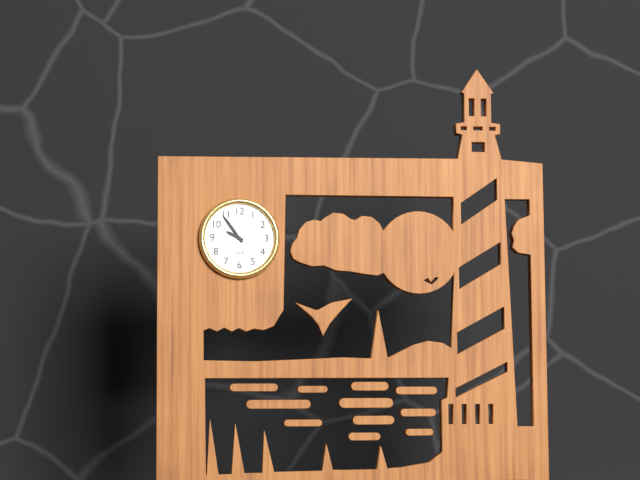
9:54
